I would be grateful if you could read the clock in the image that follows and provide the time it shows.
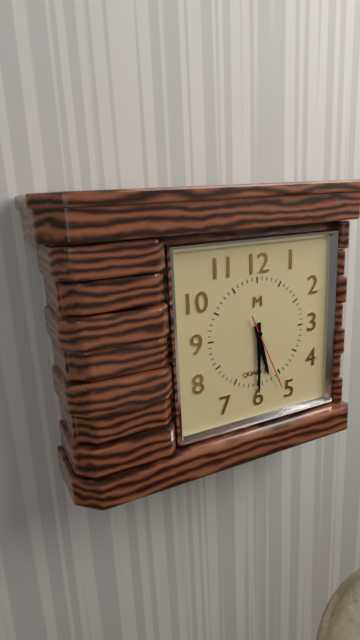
5:30:26
